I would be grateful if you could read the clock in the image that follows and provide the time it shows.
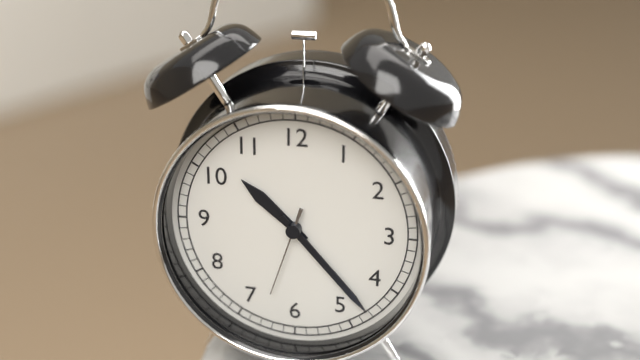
10:23:33
